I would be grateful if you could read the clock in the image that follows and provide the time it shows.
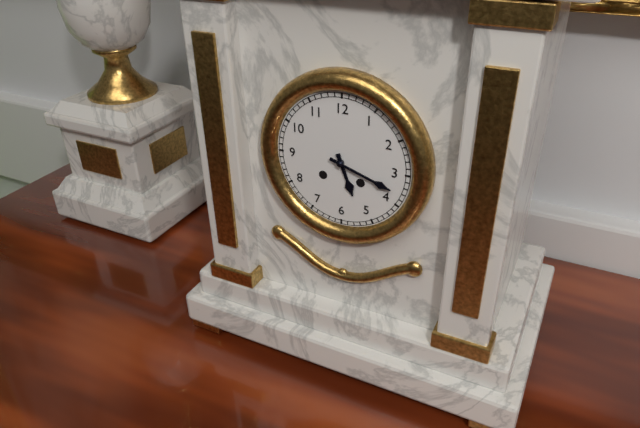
5:18
